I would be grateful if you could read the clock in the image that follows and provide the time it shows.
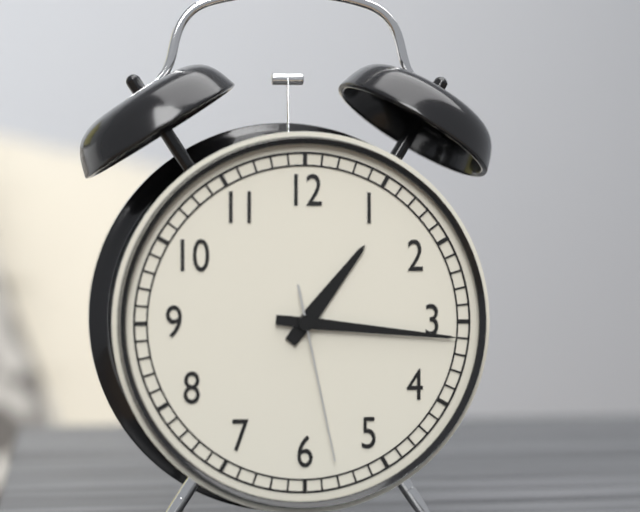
1:16:28
